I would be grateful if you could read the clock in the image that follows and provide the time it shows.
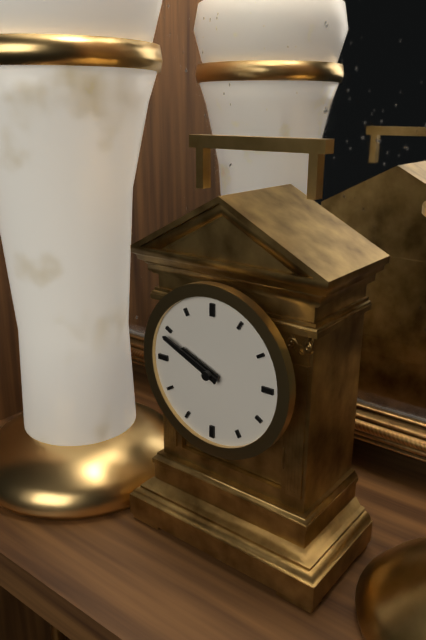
9:49
